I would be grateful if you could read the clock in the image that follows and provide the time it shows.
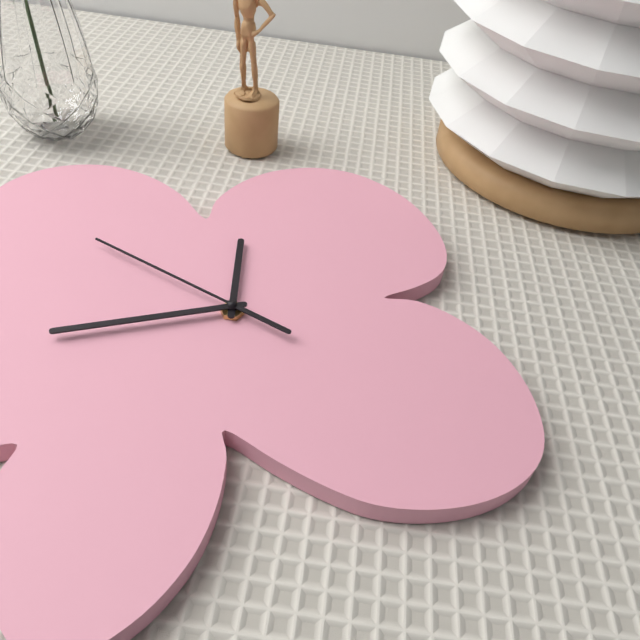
12:46:54
